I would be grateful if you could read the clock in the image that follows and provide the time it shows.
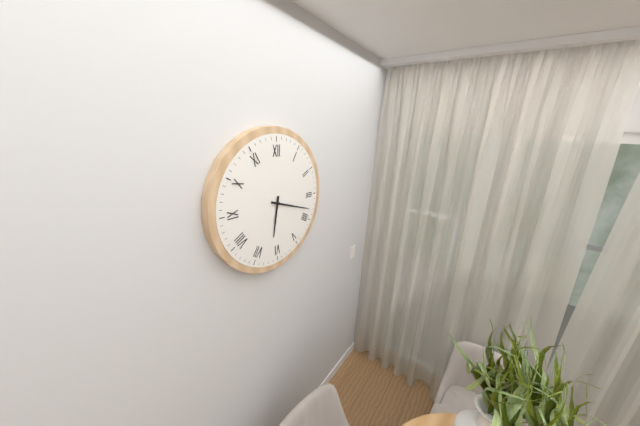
6:18
